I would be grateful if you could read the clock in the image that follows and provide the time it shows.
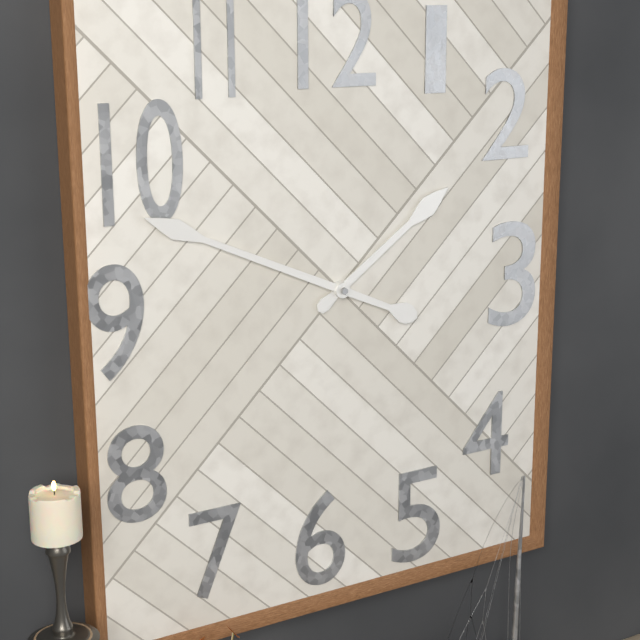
1:49
